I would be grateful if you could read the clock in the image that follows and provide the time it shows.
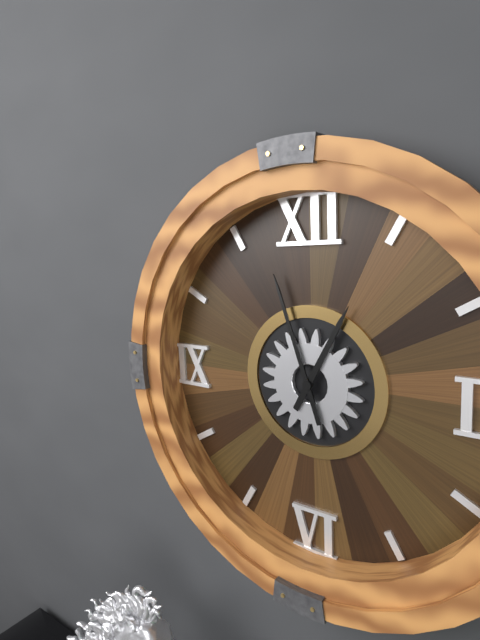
12:57
